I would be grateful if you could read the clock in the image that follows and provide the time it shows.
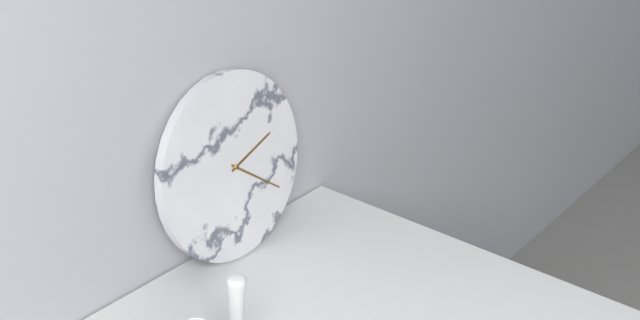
2:21
